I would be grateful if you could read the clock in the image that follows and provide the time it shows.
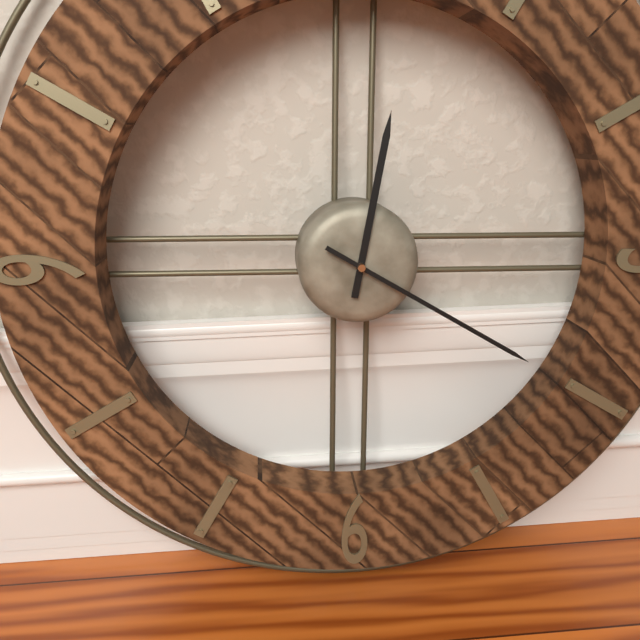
12:20
